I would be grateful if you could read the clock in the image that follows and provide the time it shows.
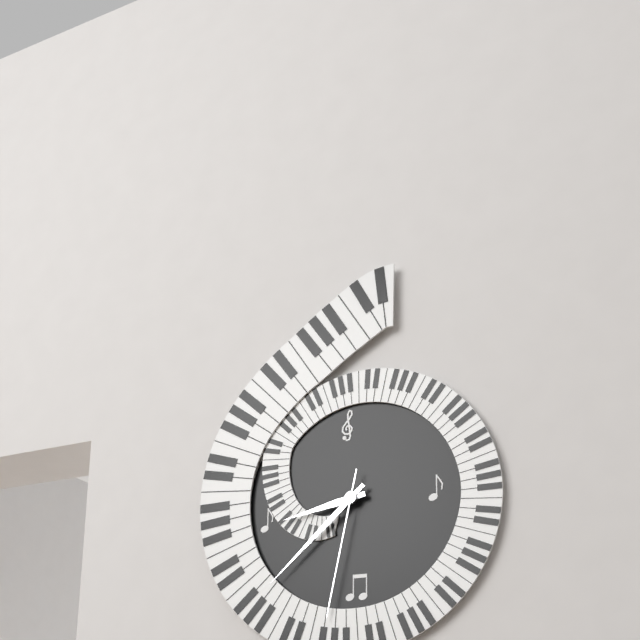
8:38:32
